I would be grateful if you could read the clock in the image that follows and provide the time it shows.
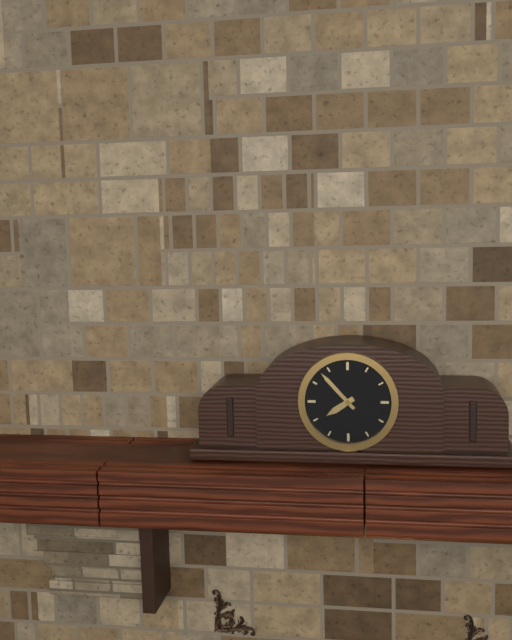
7:53
